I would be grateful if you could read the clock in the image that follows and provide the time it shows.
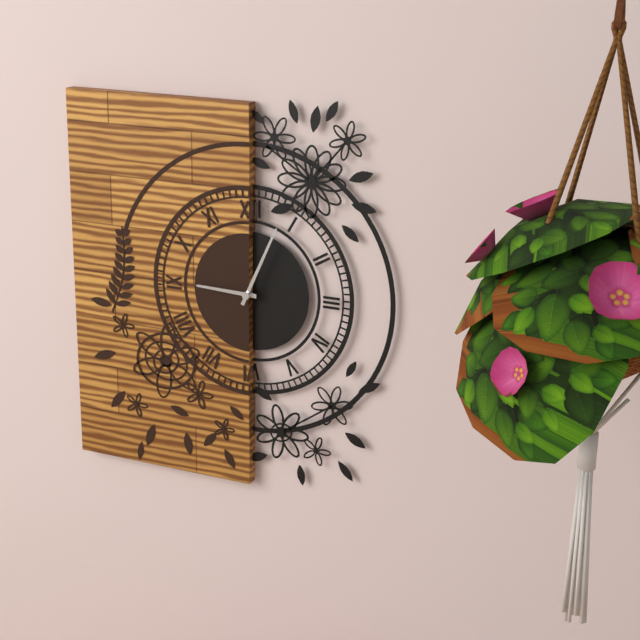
9:04
